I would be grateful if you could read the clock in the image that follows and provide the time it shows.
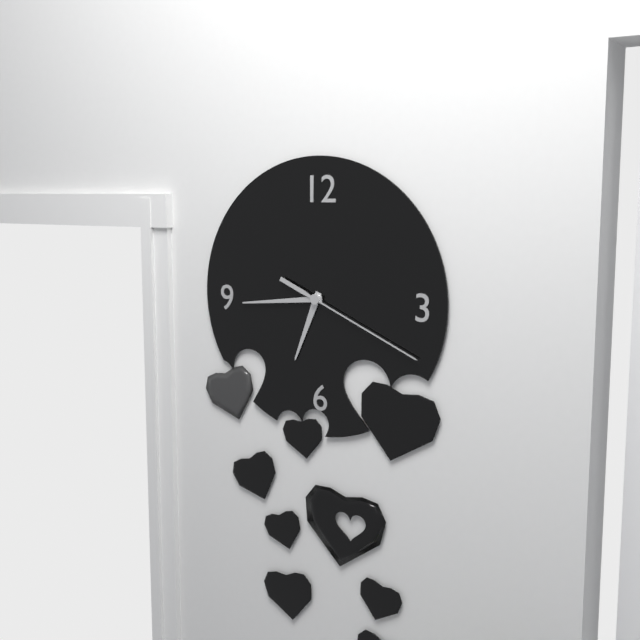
6:44:19
